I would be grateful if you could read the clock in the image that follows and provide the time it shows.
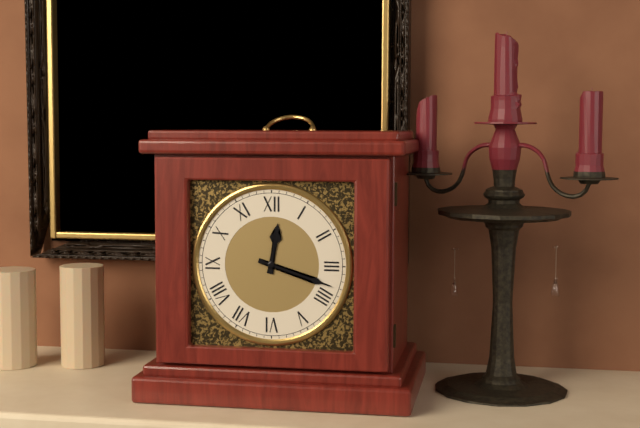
12:18
